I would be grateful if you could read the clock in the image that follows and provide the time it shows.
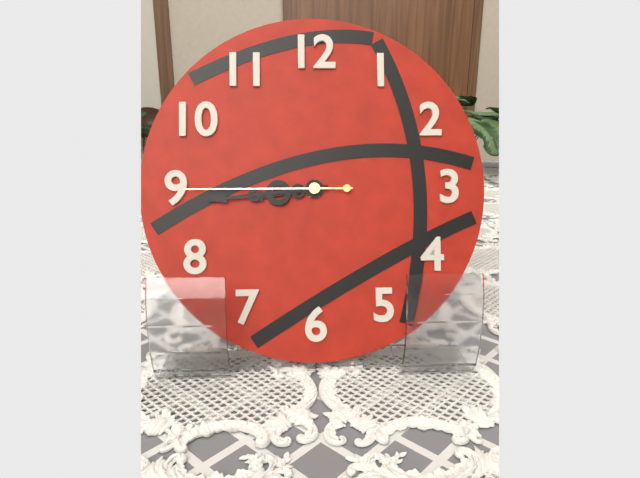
8:44:45
